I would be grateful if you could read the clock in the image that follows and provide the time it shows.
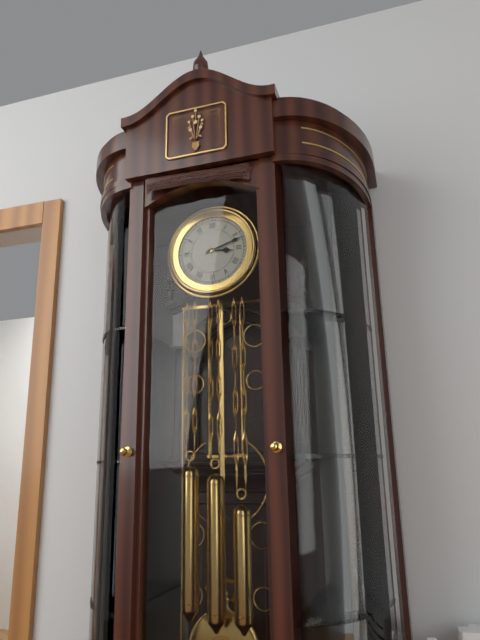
3:12
